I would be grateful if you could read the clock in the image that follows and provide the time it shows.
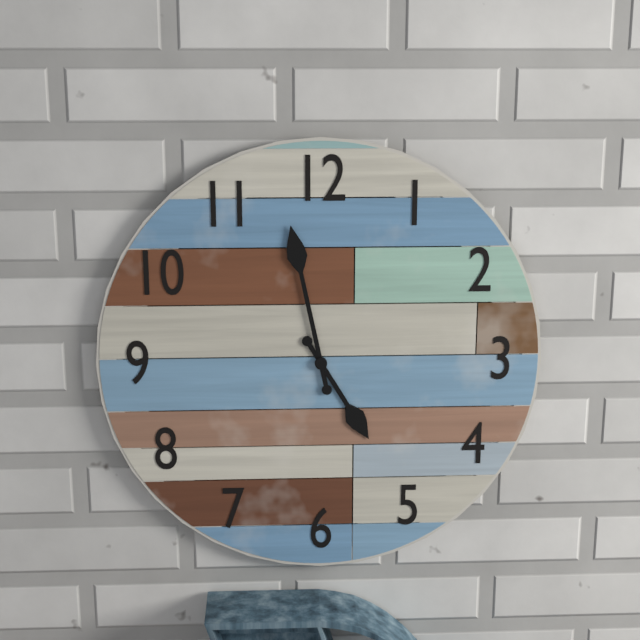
4:58
